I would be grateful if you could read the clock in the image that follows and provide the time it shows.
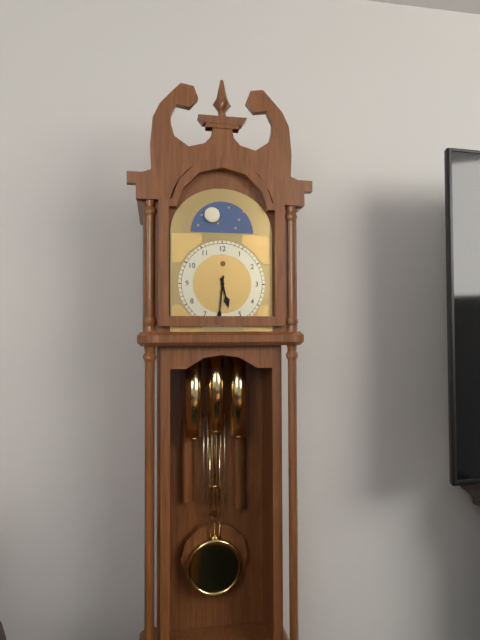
5:31
